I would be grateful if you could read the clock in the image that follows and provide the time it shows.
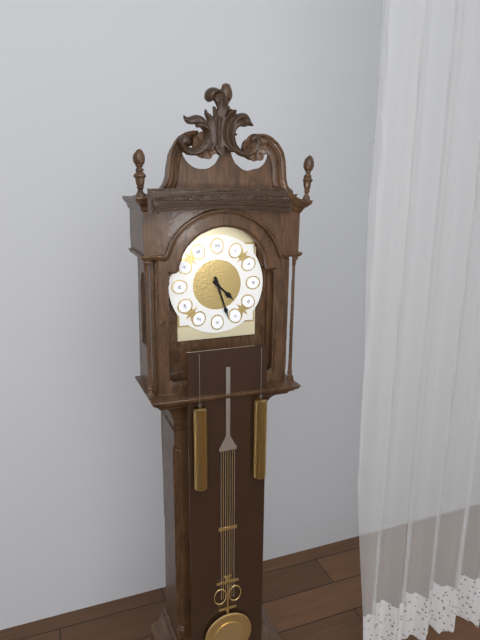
4:27
